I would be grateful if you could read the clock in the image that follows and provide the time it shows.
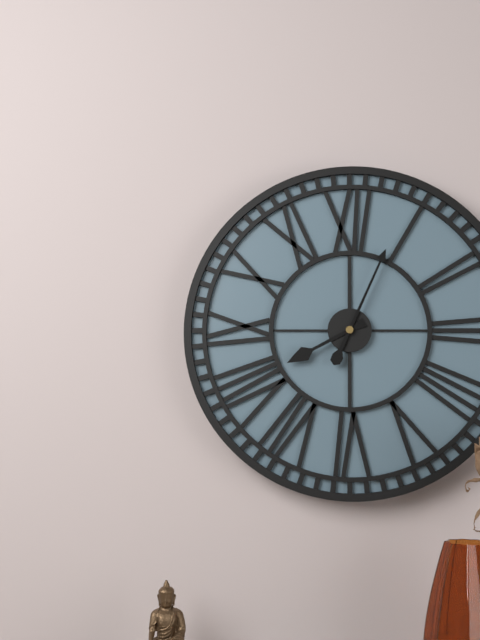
8:04
